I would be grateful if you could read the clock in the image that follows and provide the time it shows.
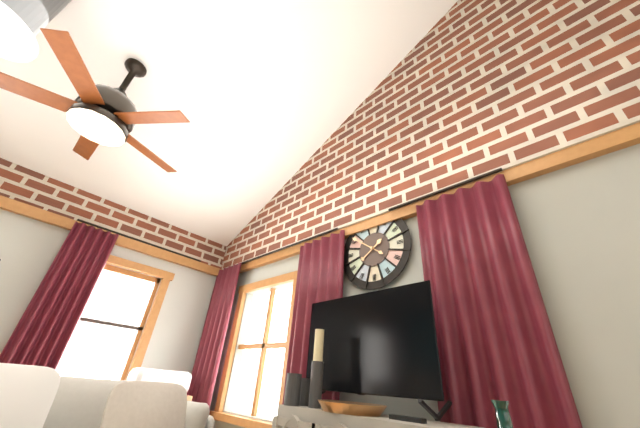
7:51
